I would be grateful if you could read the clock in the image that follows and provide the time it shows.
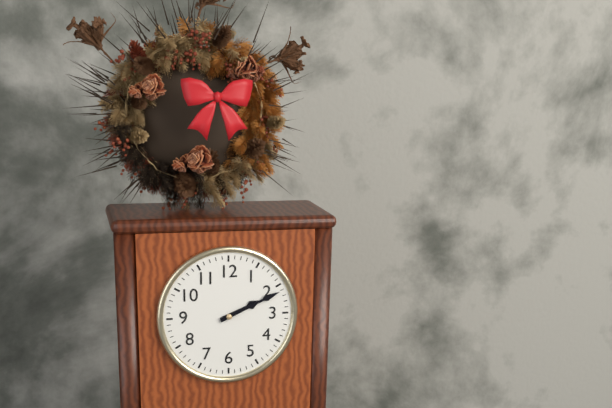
2:11
